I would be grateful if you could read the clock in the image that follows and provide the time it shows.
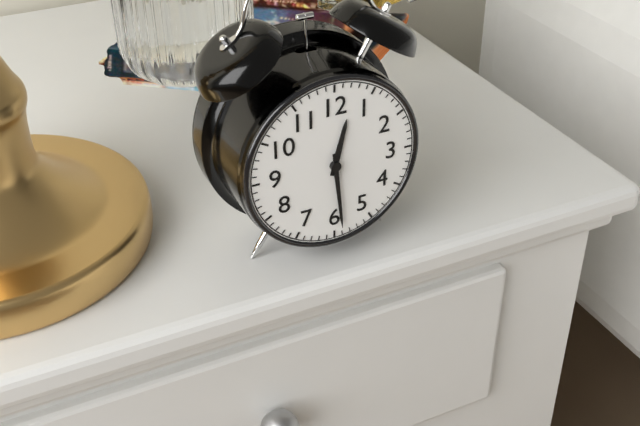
12:29
